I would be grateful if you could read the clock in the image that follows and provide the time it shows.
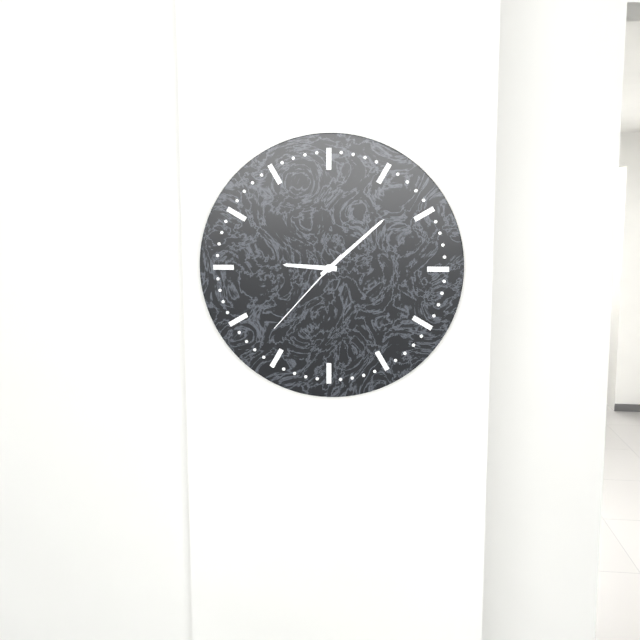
9:08:37
